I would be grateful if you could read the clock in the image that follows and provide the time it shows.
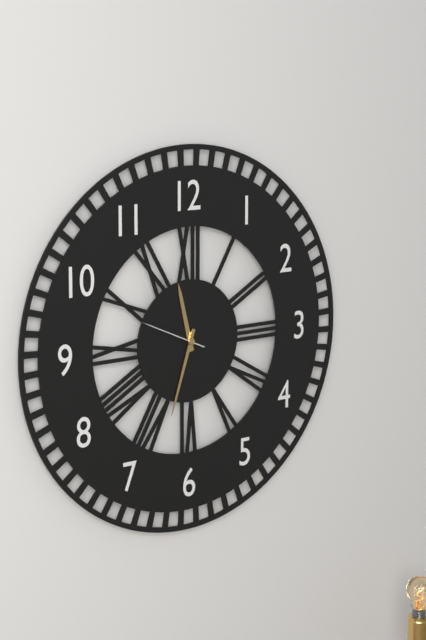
11:33:49
